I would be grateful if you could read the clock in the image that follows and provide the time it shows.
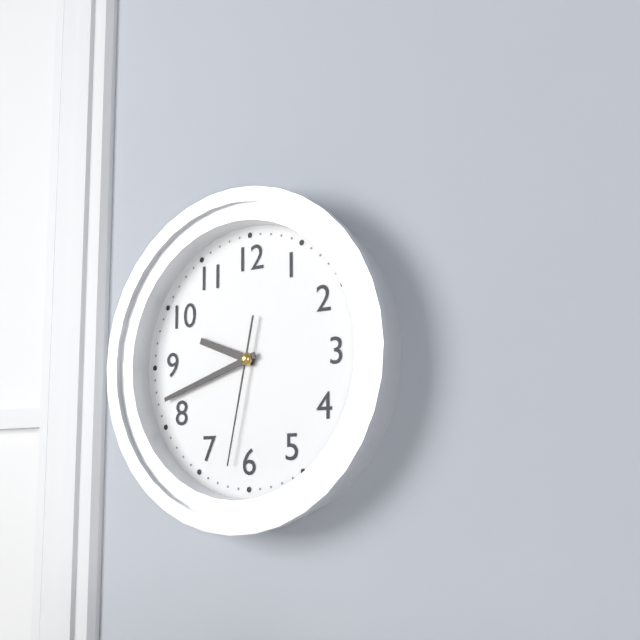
9:42:32
